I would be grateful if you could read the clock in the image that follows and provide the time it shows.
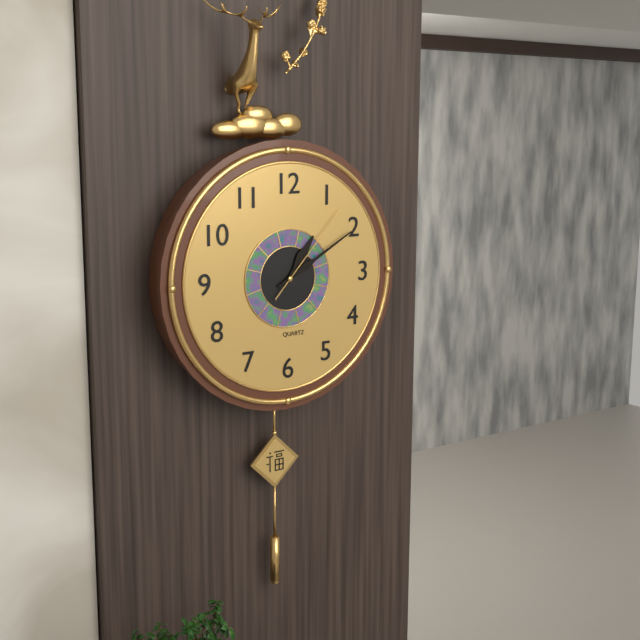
1:10:07
